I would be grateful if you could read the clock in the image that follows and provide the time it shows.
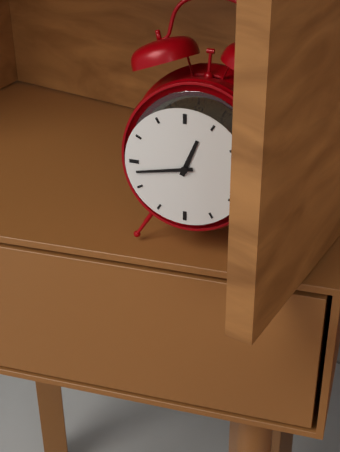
12:43
